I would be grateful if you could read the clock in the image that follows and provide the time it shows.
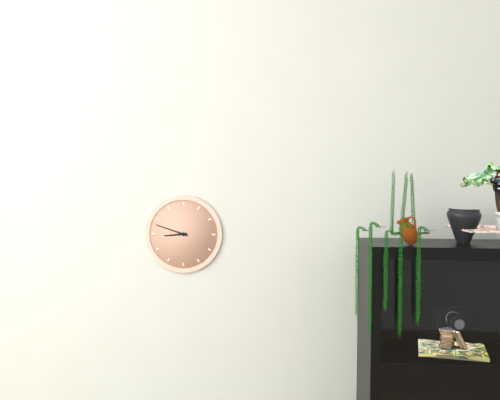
8:48
